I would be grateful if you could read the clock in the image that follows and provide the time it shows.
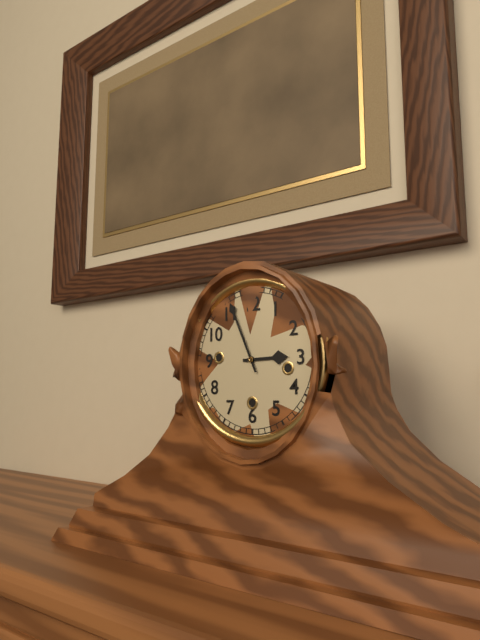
2:56
